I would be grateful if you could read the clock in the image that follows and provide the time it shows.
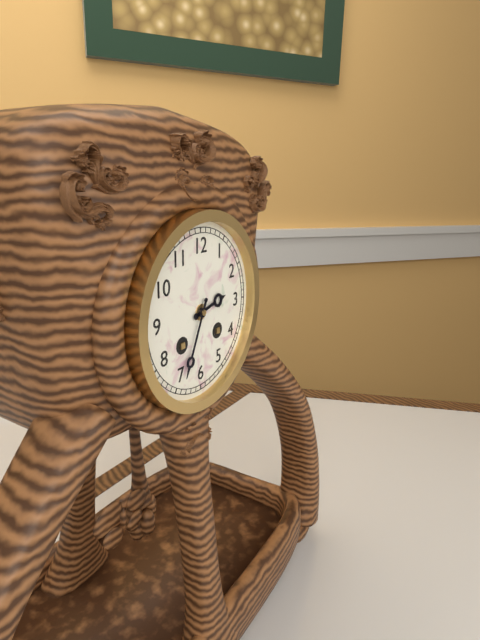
2:34
